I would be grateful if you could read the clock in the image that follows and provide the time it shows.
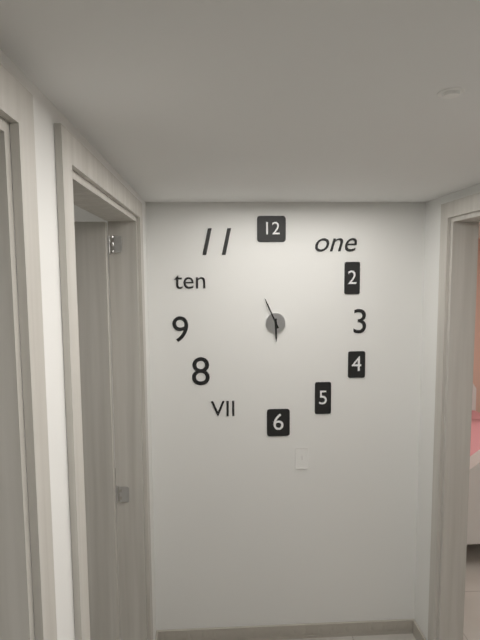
5:56
